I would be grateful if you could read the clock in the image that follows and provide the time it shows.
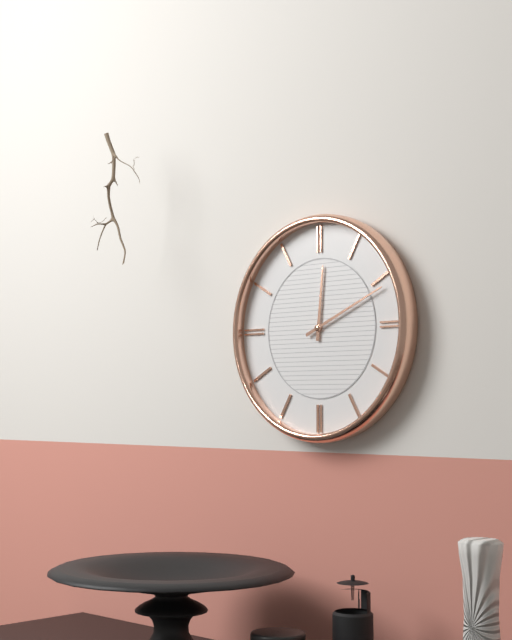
12:11
